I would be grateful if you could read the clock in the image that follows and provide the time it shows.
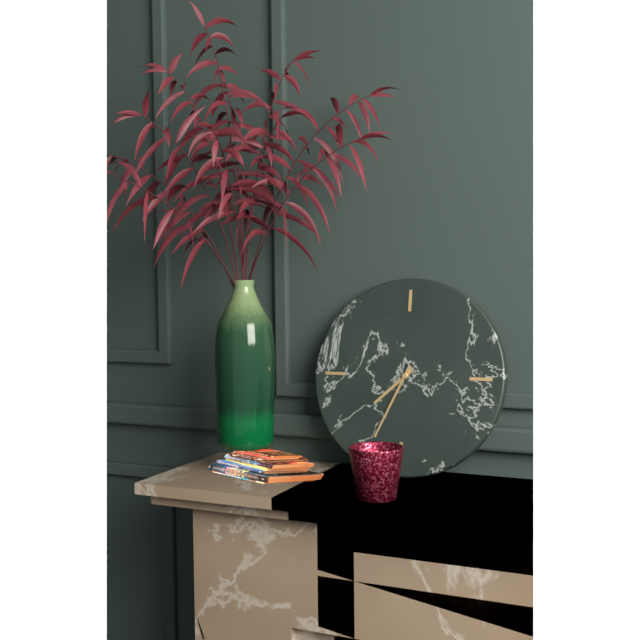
7:34
